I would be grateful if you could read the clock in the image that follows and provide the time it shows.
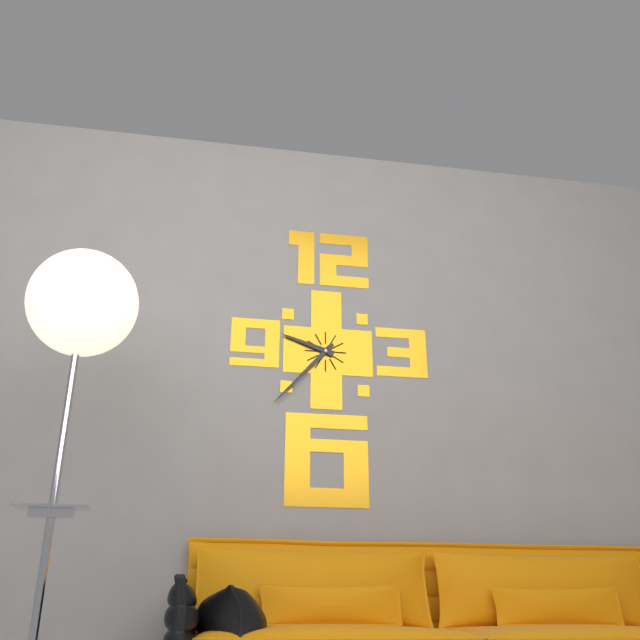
9:37
